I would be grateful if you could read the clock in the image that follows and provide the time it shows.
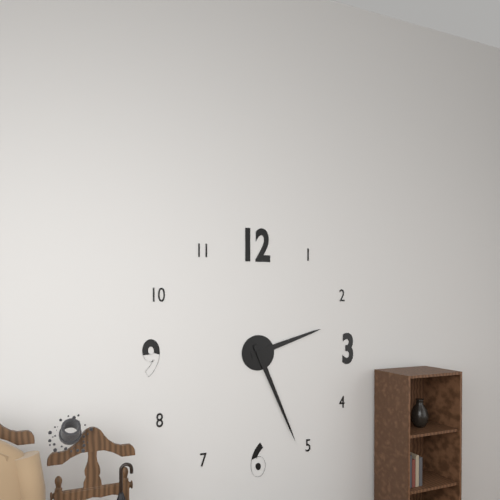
2:26
